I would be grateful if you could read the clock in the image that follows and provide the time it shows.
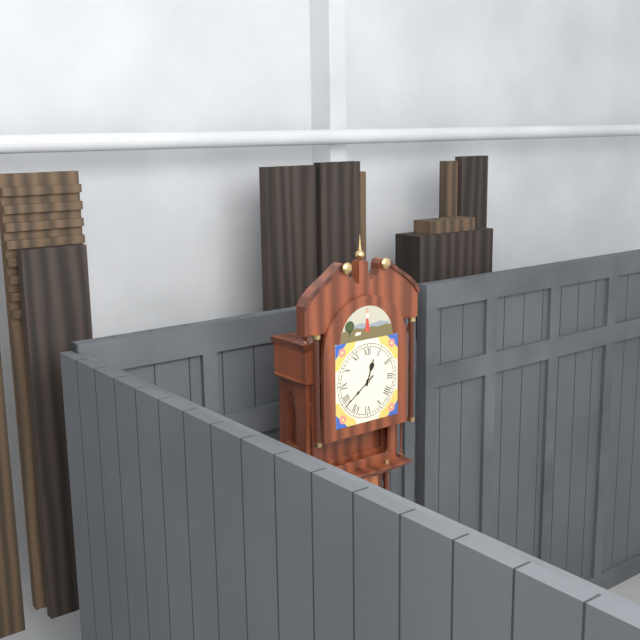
12:39
